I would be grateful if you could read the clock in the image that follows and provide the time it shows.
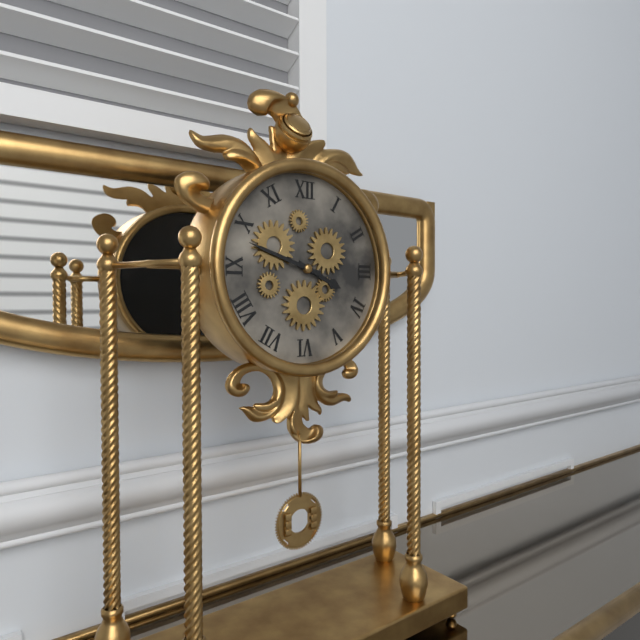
3:48
